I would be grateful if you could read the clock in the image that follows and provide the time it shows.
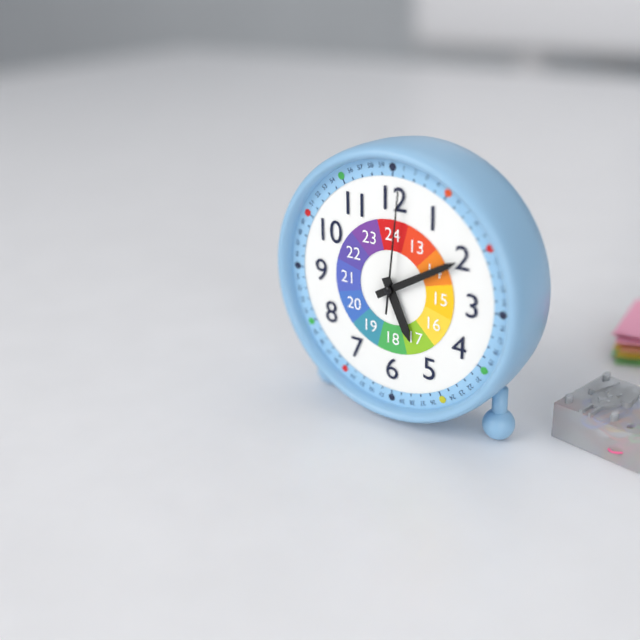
5:10:01
